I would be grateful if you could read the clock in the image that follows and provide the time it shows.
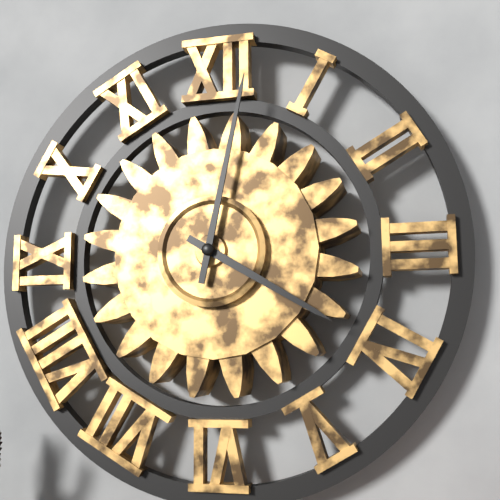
4:02
